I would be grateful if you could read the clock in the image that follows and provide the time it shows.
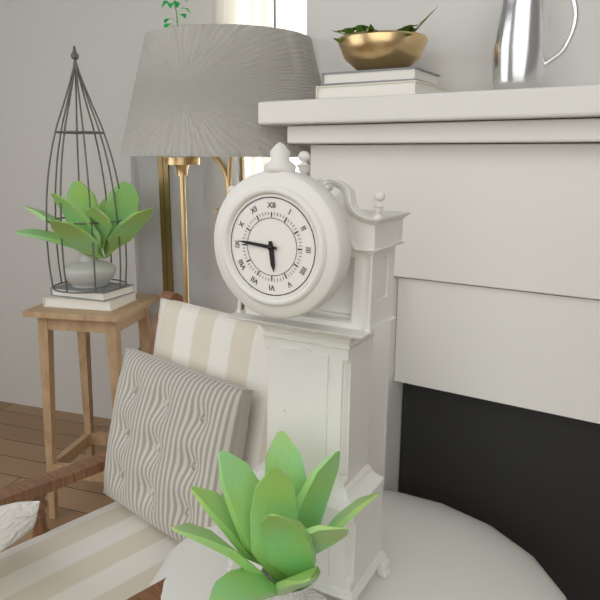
5:46
